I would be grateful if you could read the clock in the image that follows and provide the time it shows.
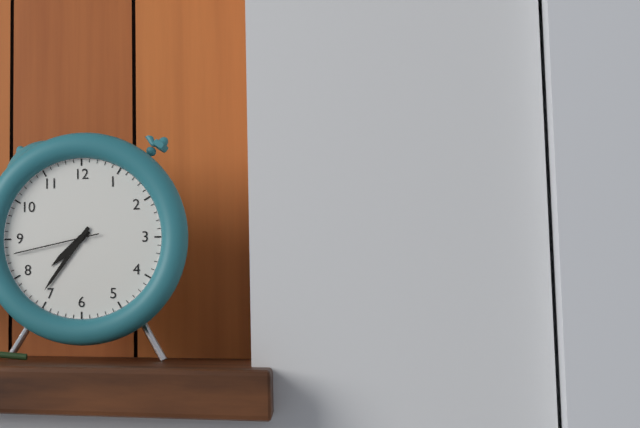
7:36:43
